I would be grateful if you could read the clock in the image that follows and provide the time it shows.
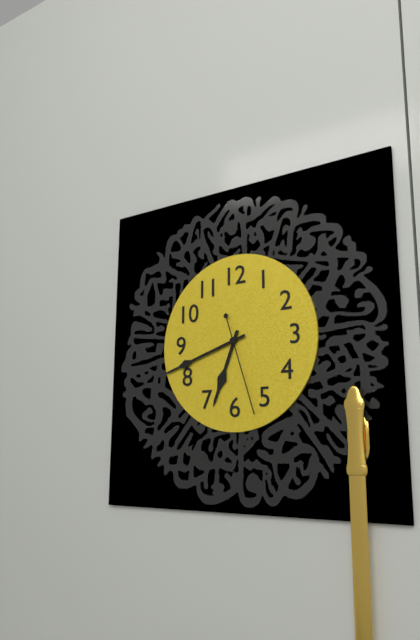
6:42:27
